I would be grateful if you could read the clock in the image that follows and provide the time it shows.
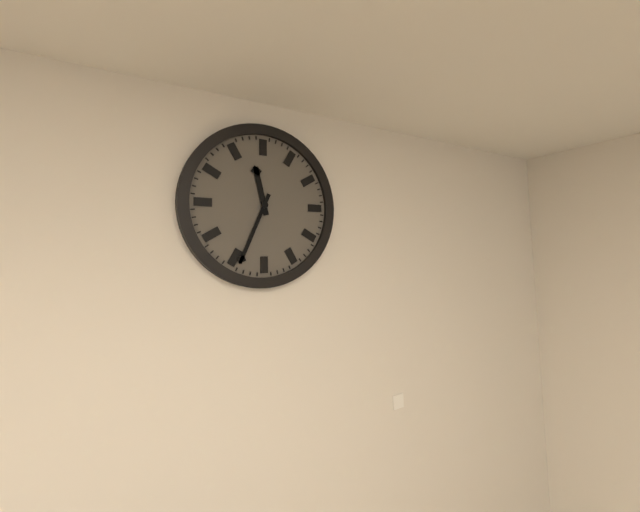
11:34
